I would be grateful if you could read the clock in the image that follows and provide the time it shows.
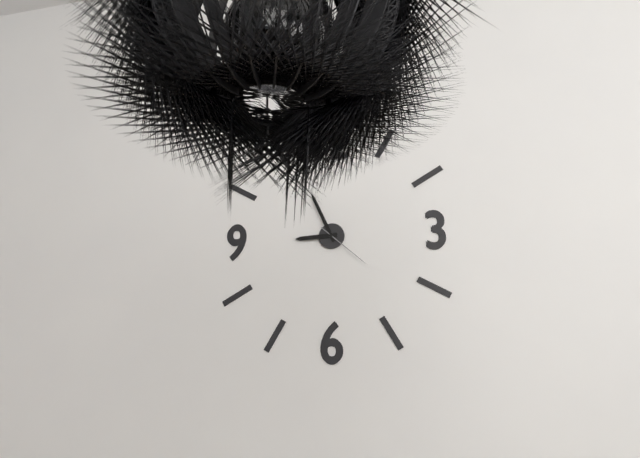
8:56:22
